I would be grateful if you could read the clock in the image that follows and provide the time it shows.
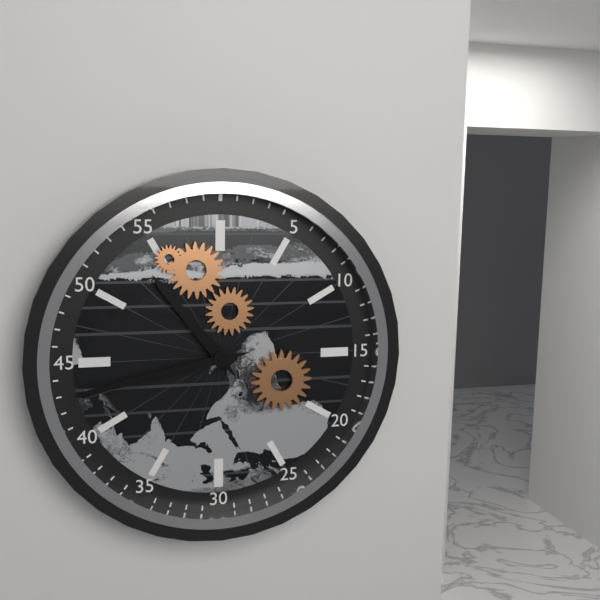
10:43
